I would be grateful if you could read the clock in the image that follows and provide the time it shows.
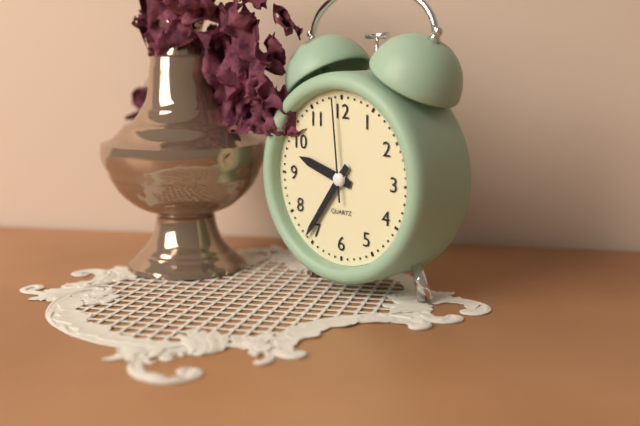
9:36:59
